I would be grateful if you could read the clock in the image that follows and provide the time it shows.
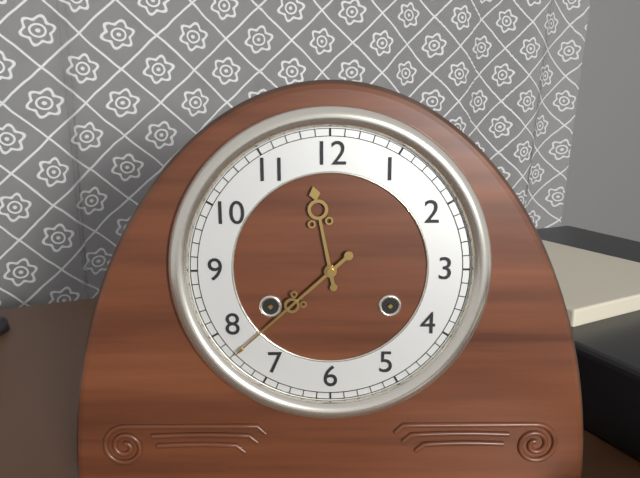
11:38
